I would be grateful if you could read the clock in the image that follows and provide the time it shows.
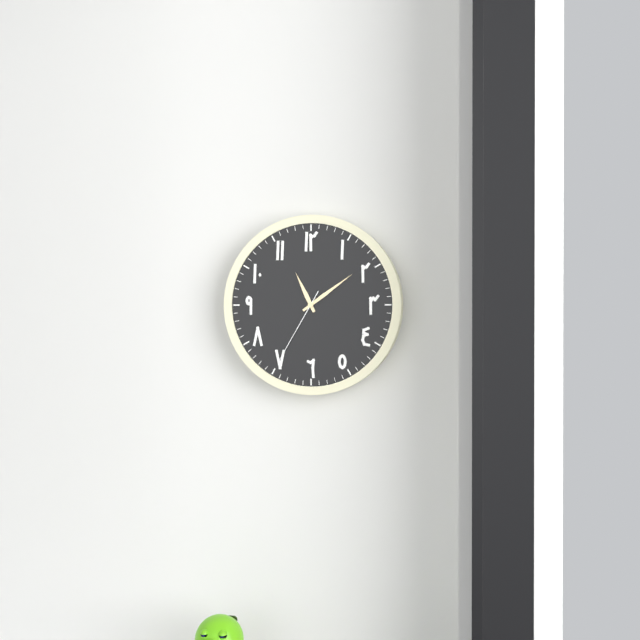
11:09:35
